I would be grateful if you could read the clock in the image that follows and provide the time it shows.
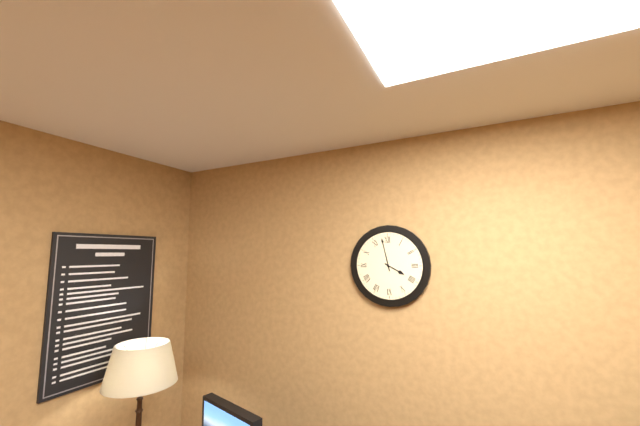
3:58
